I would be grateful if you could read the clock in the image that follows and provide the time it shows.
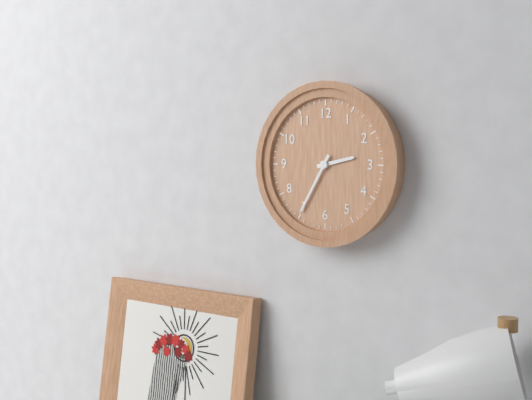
2:35
